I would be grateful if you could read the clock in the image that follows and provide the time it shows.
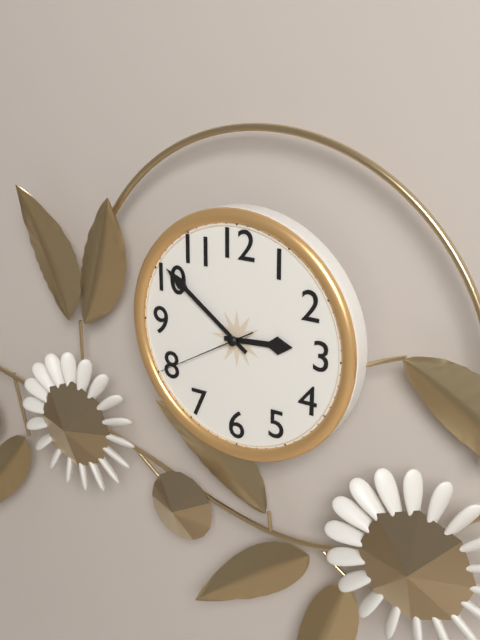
2:51:40
